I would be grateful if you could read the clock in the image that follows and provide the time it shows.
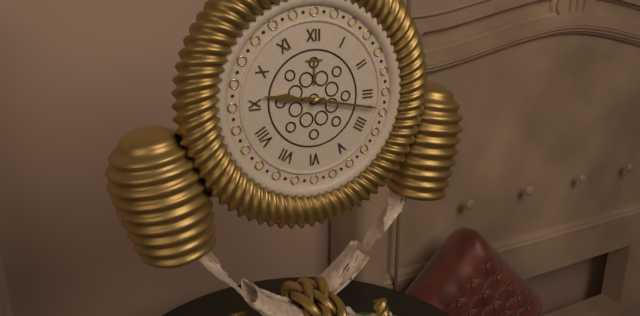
9:17
